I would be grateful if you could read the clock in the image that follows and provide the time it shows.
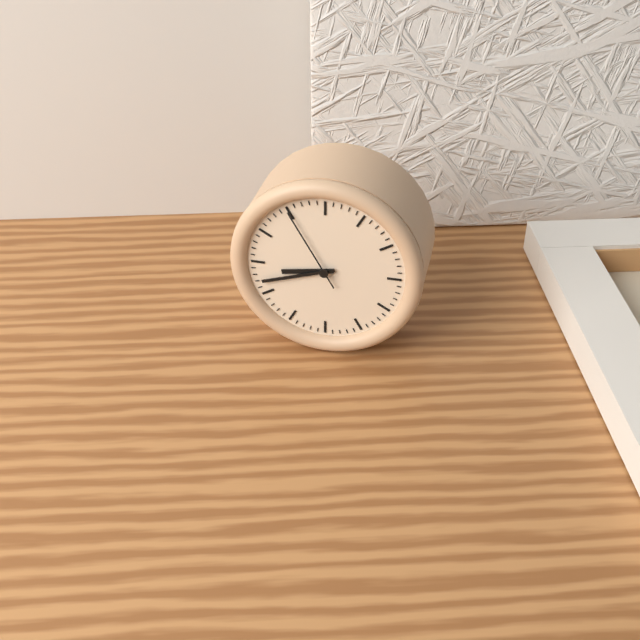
8:42:55
